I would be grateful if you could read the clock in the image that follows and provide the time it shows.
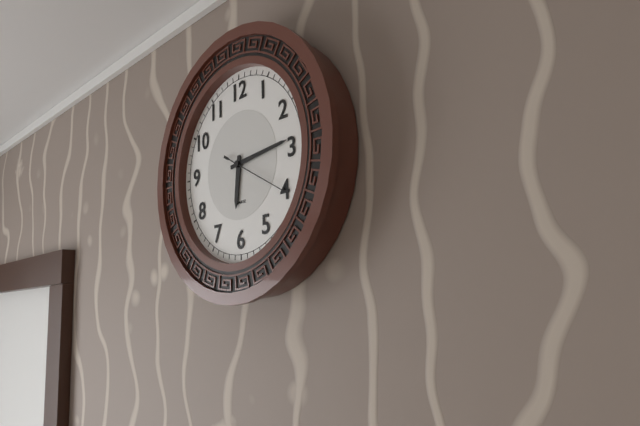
6:14:20
